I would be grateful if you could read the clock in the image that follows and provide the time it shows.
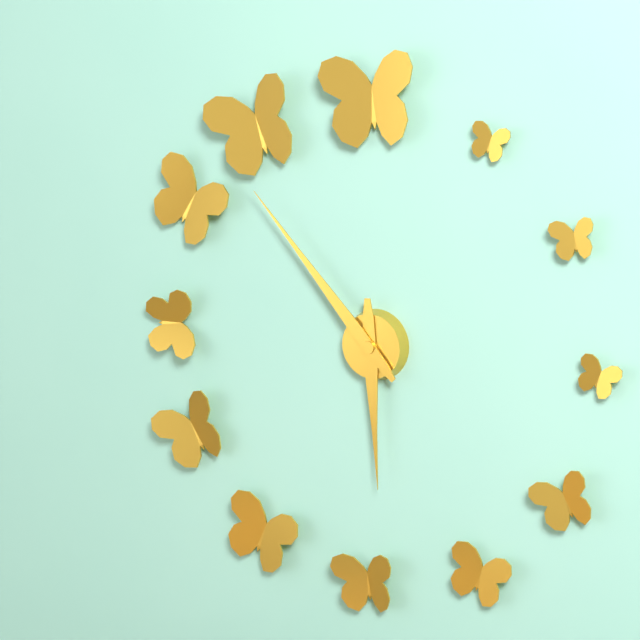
5:53
